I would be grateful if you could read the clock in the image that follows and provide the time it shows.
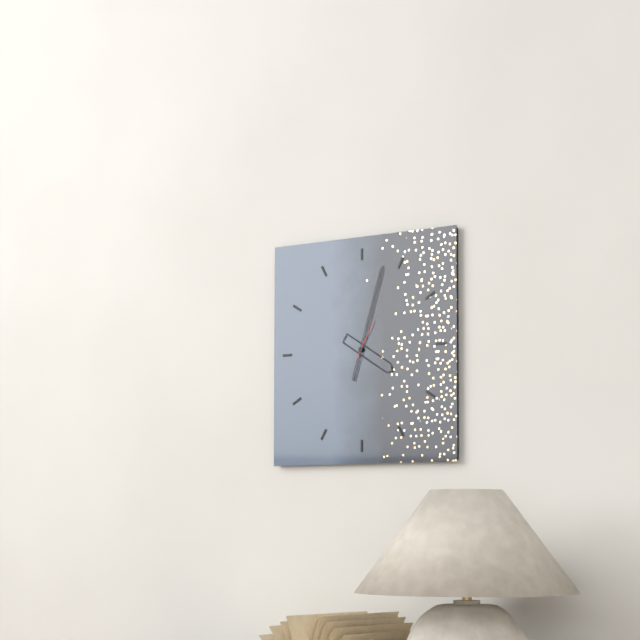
4:03
